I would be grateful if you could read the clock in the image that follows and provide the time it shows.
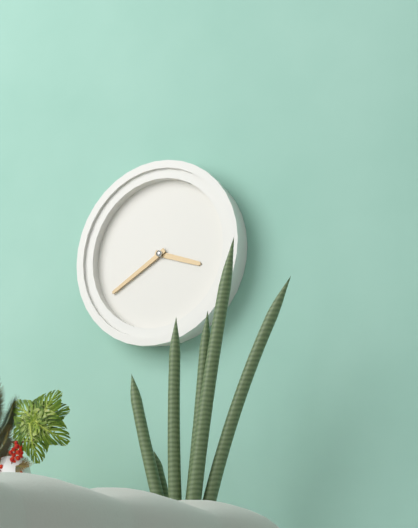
3:40
